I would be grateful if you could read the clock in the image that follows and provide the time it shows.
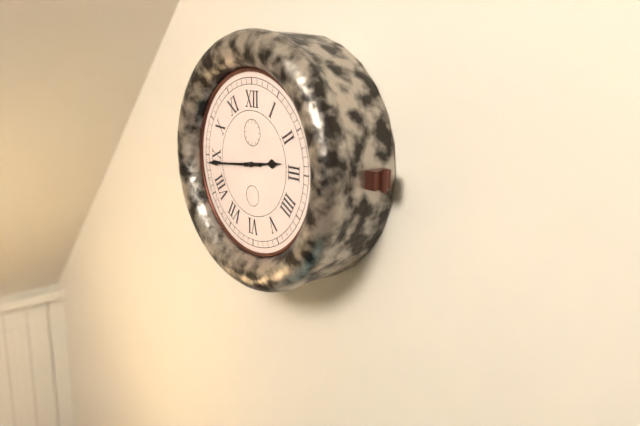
2:44
